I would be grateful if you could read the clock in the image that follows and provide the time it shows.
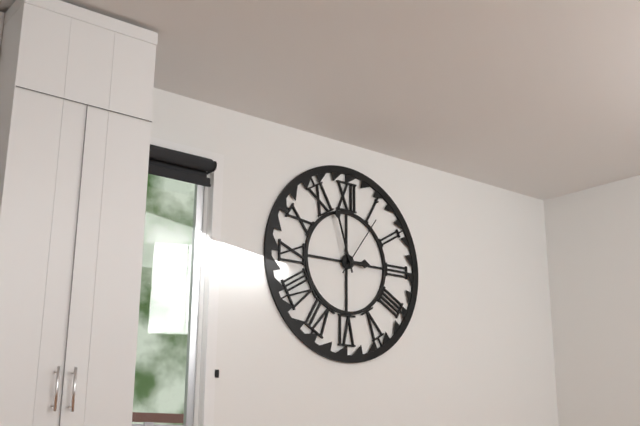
2:57:06
